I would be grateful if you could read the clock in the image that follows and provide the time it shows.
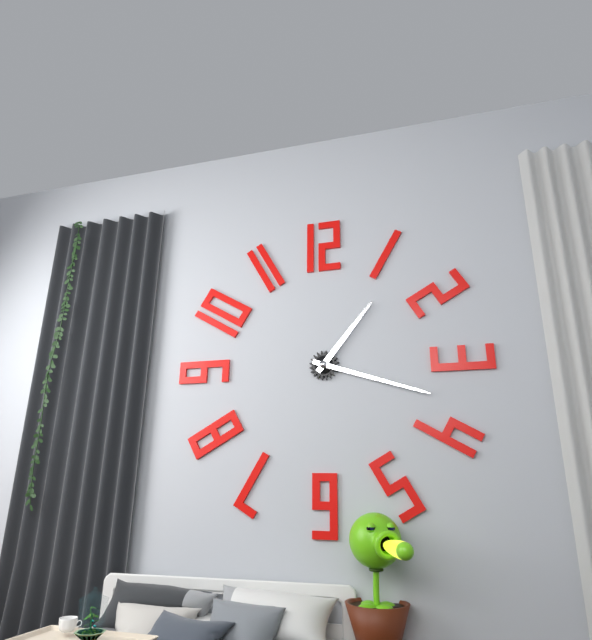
1:18
